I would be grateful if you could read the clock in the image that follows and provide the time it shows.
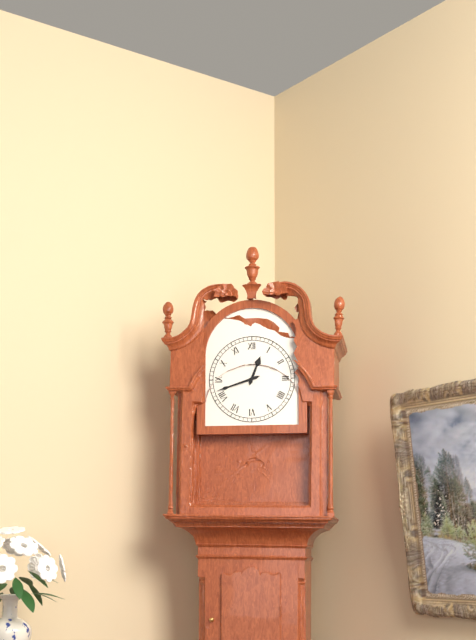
12:42
